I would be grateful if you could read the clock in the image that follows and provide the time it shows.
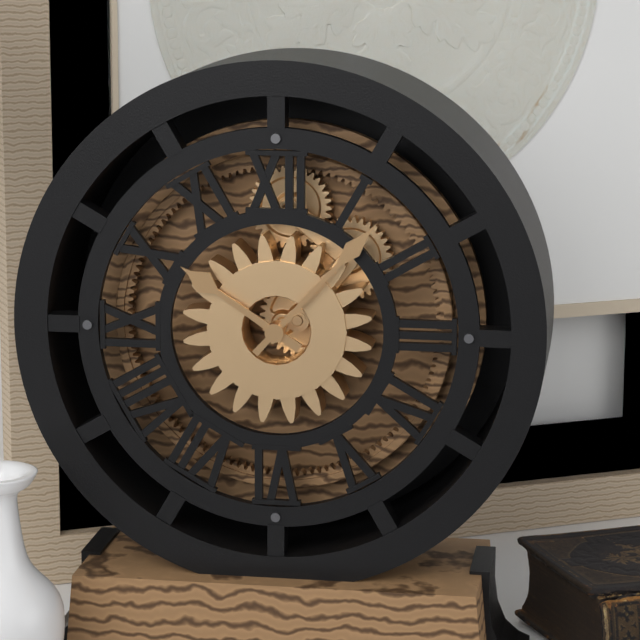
10:07
